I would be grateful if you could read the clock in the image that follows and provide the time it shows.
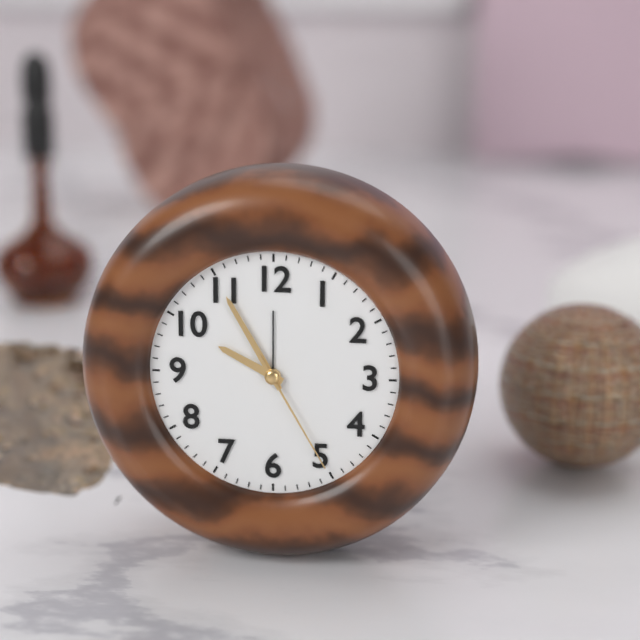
9:55:25
